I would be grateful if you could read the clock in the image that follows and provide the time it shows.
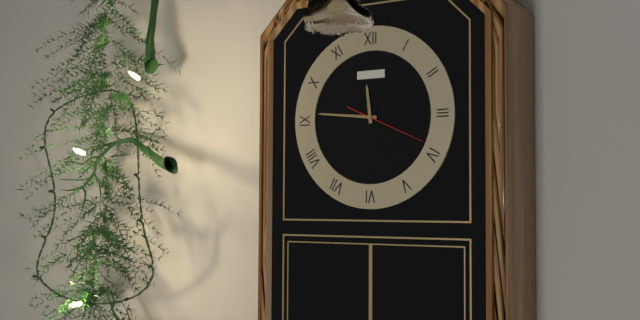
11:46:19
